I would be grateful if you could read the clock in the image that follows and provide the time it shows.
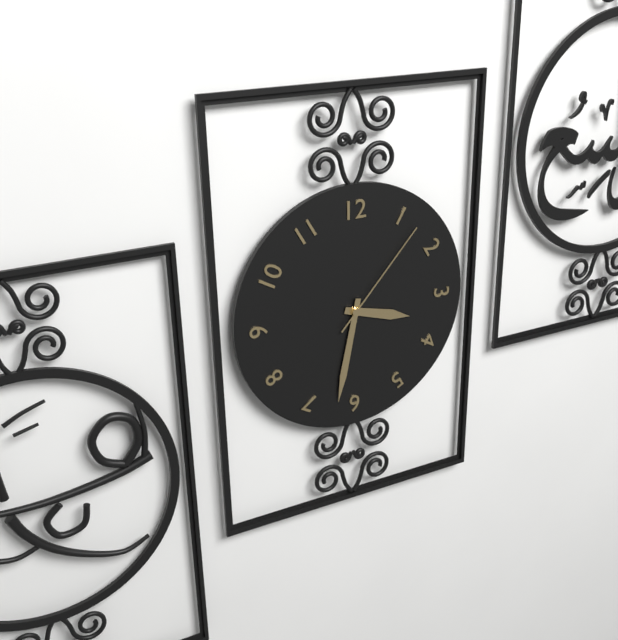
3:32:07
